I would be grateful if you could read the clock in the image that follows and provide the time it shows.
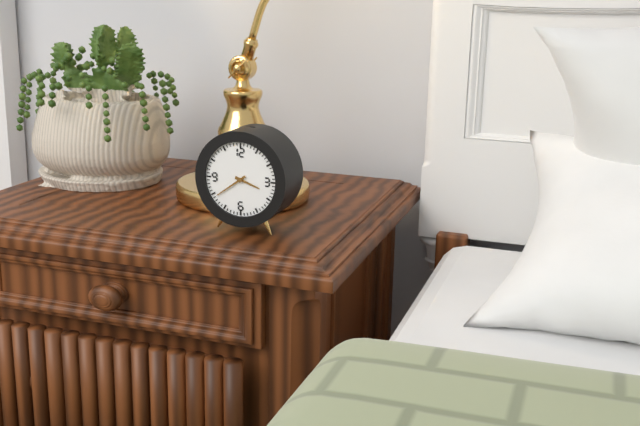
3:39
